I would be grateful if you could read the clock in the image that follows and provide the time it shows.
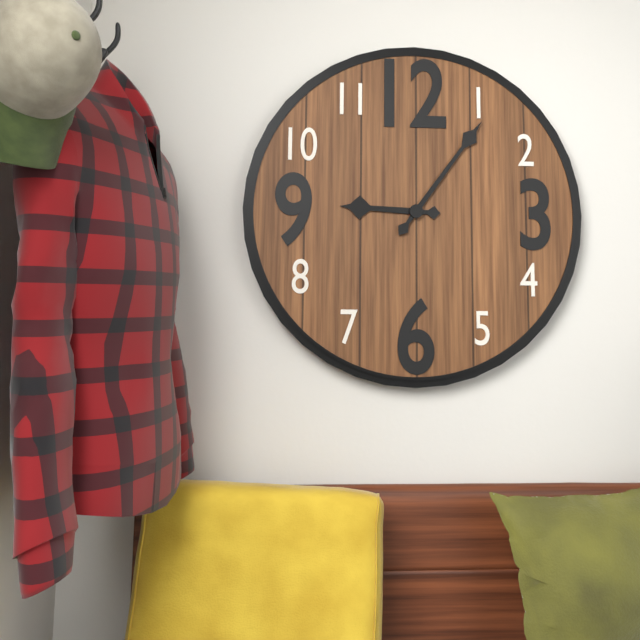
9:06
